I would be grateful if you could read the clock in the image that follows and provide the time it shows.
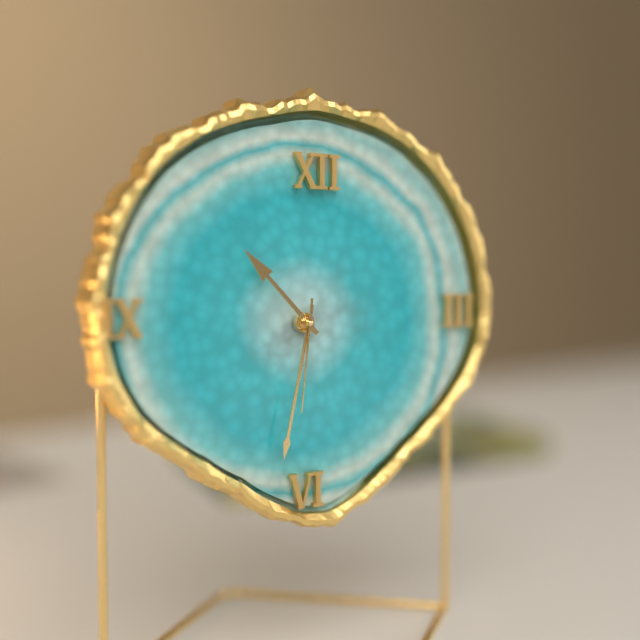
10:32:31
